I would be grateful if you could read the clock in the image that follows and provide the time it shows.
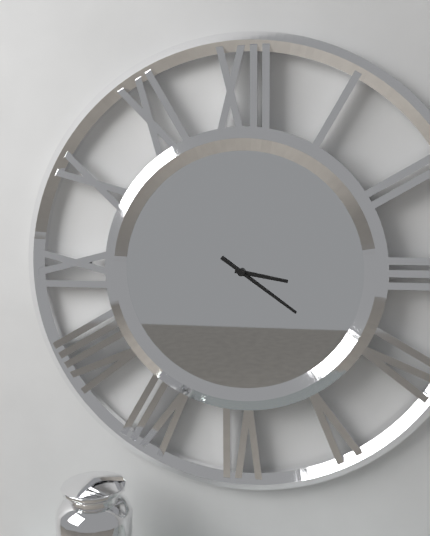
3:21
